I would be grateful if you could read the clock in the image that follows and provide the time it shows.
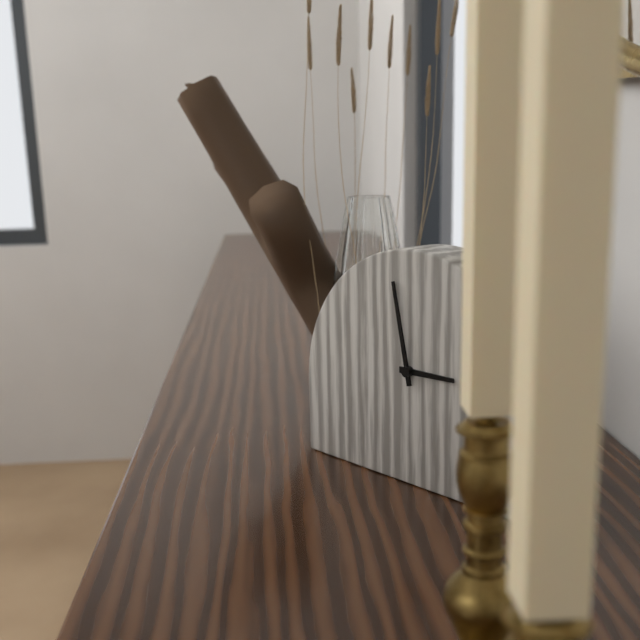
2:58
